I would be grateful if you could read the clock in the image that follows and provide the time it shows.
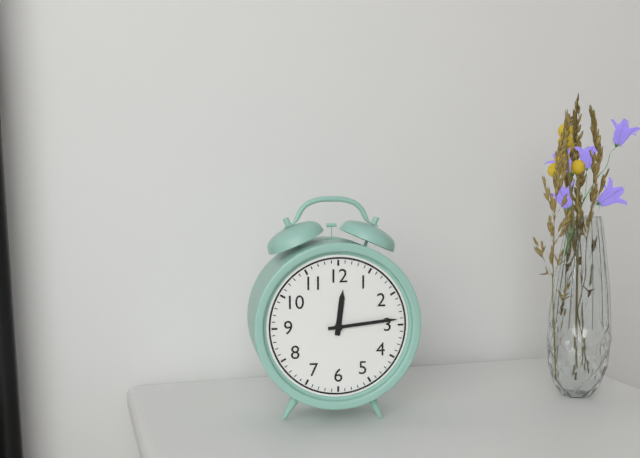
12:14
